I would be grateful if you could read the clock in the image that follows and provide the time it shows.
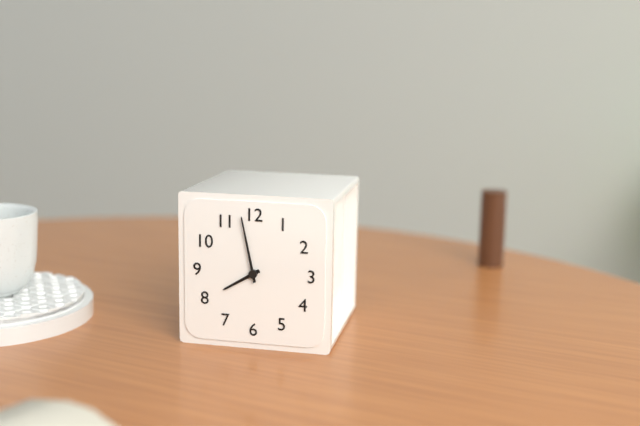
7:58
